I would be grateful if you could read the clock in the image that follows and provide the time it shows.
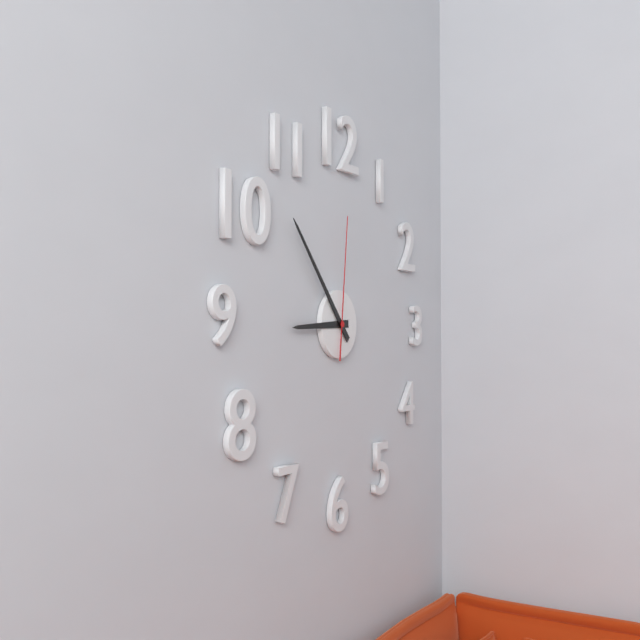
8:53:01
